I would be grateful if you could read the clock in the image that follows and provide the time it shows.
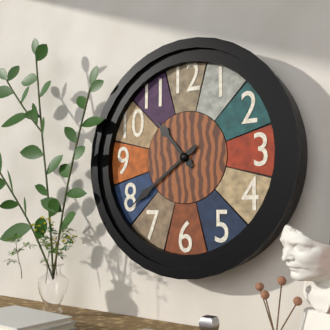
10:39
